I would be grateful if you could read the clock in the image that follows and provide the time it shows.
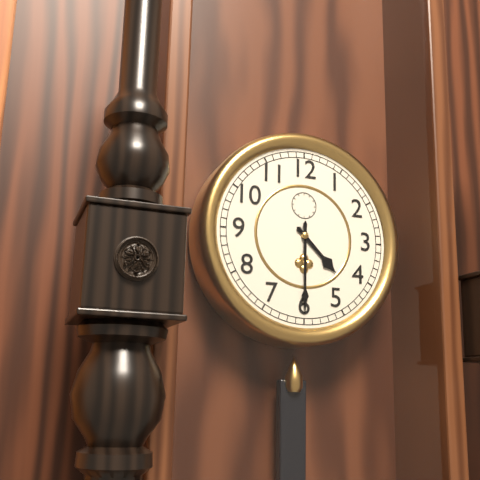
4:30
